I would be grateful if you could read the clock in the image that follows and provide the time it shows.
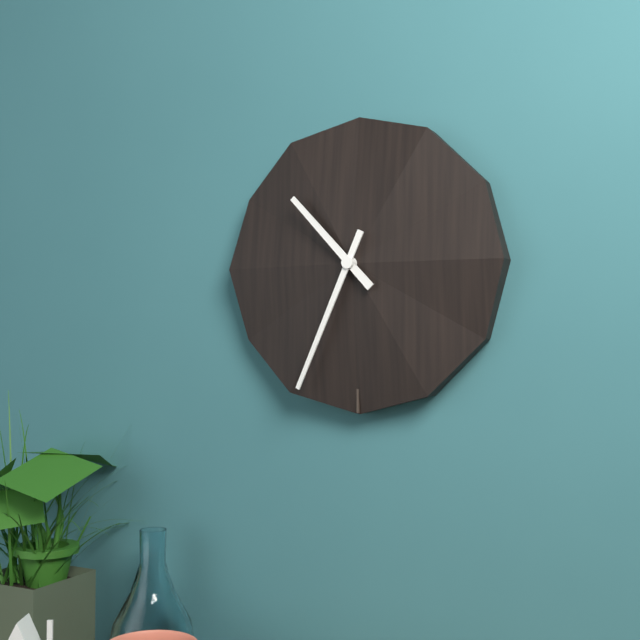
10:34
